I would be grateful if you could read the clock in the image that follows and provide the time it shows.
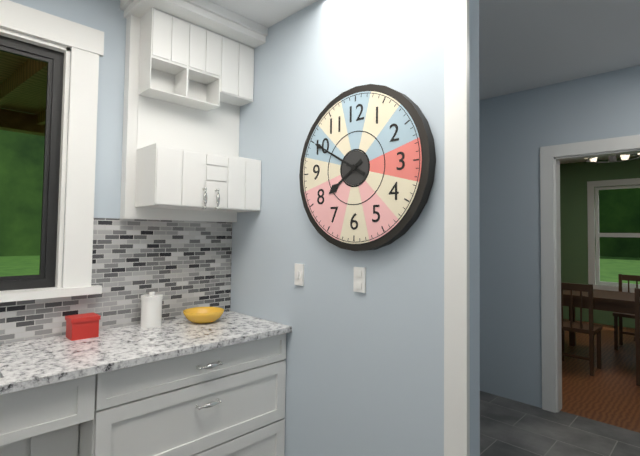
7:50
